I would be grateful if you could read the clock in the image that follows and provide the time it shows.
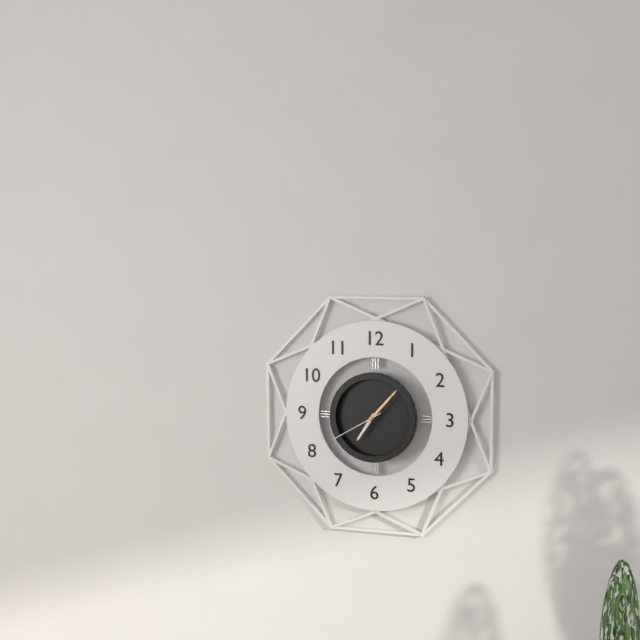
7:07:40
